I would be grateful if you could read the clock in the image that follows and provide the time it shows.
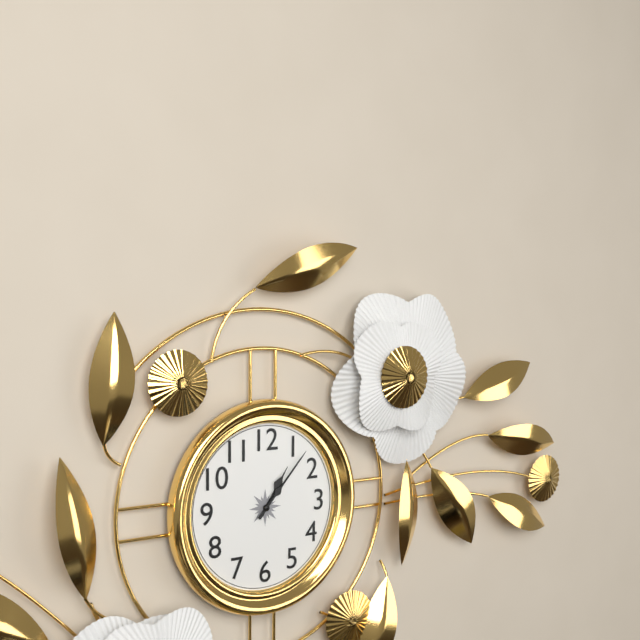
1:07
